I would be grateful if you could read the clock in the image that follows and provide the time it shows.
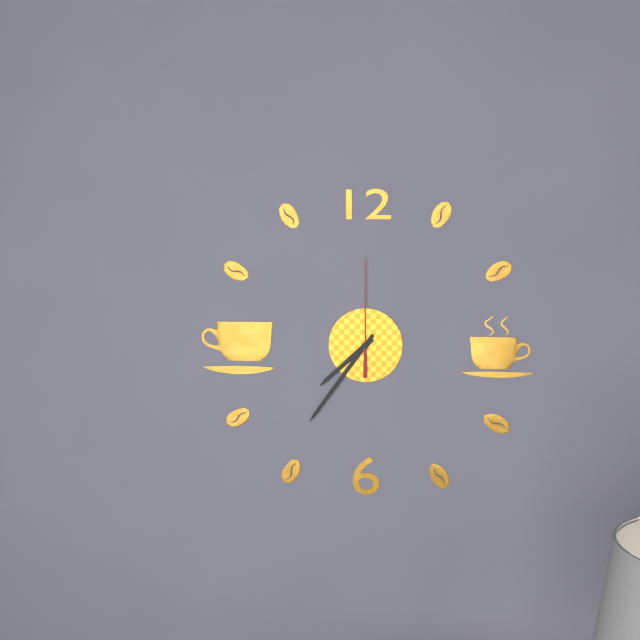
7:36:00
